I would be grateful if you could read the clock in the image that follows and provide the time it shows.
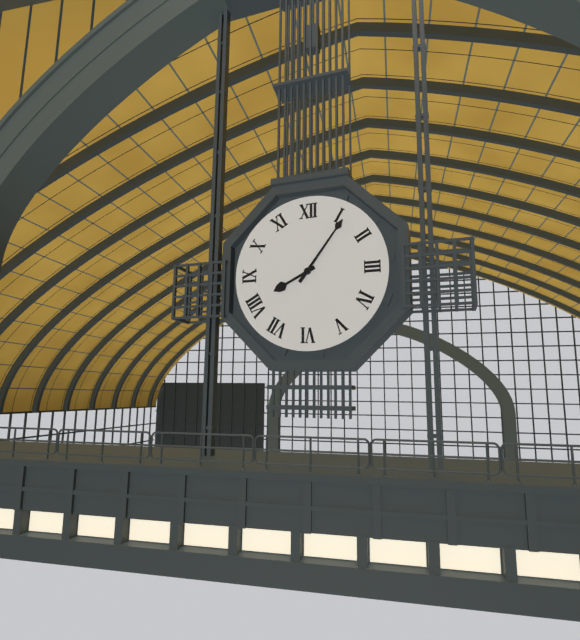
8:06
